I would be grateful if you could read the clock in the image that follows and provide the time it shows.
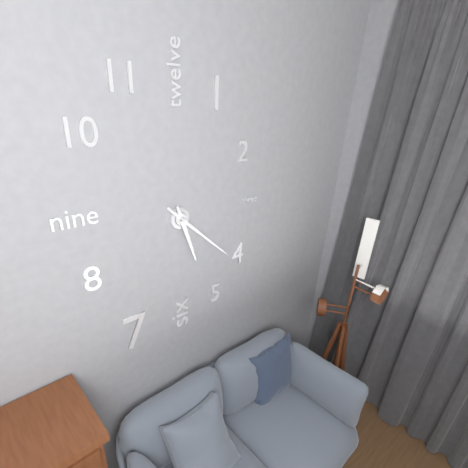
5:22
